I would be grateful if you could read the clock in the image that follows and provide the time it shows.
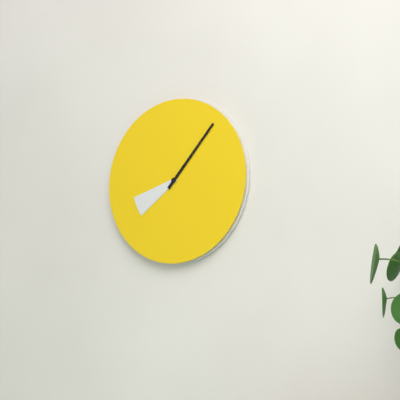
8:07
